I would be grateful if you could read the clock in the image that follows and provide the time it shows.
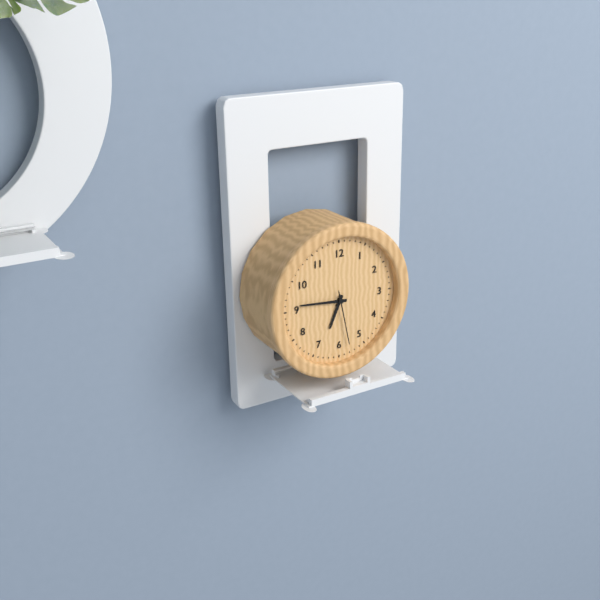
6:46:28
